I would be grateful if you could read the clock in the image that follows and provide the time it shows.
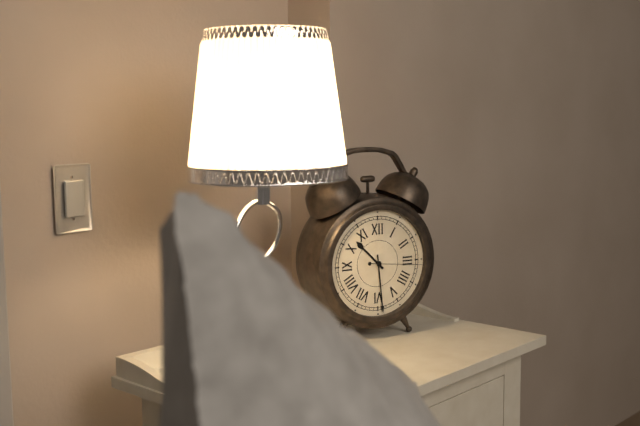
10:29:16
